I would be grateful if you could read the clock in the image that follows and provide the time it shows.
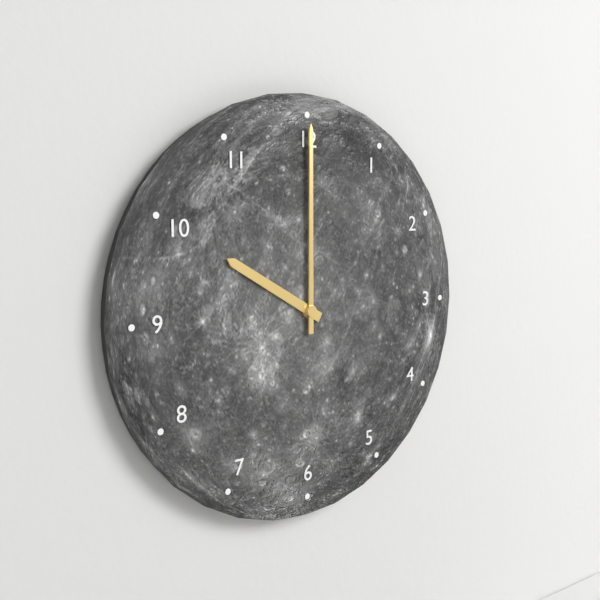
10:00
